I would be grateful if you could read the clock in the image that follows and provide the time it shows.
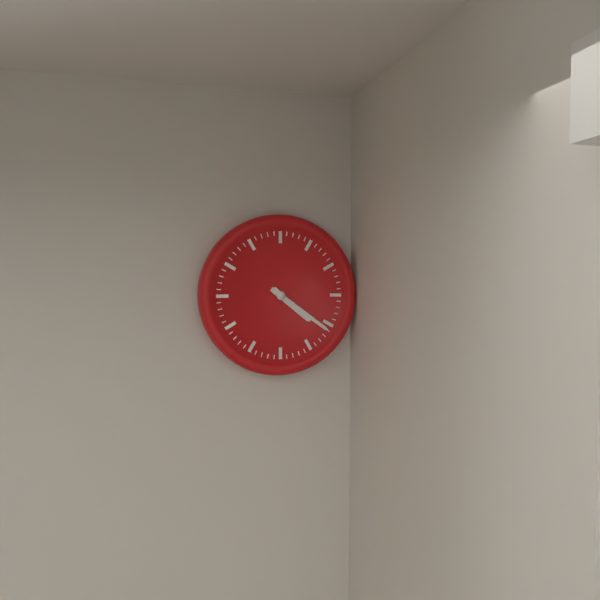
4:21
